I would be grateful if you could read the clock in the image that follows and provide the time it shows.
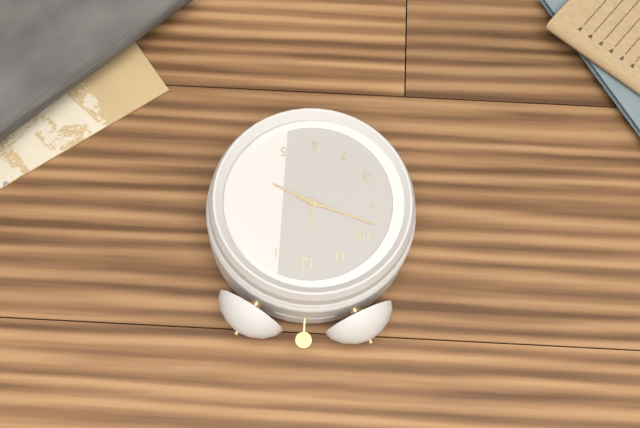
3:48
